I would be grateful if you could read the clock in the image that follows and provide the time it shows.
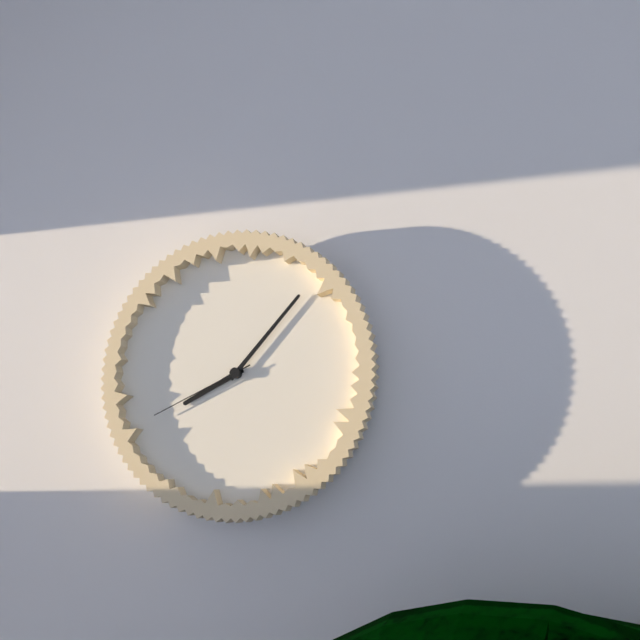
8:07:41
